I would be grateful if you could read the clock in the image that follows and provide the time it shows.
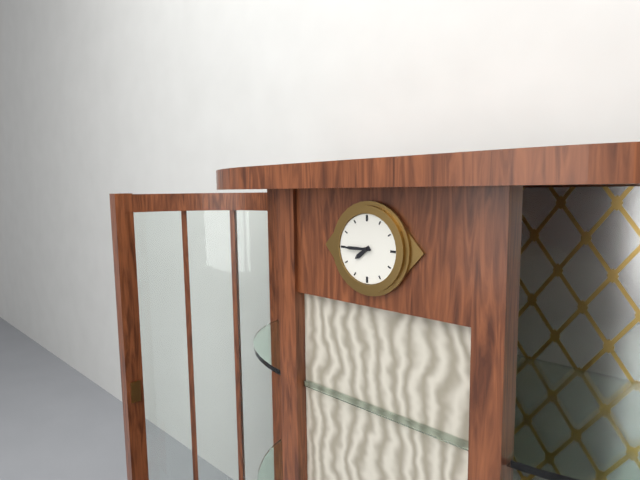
7:45
